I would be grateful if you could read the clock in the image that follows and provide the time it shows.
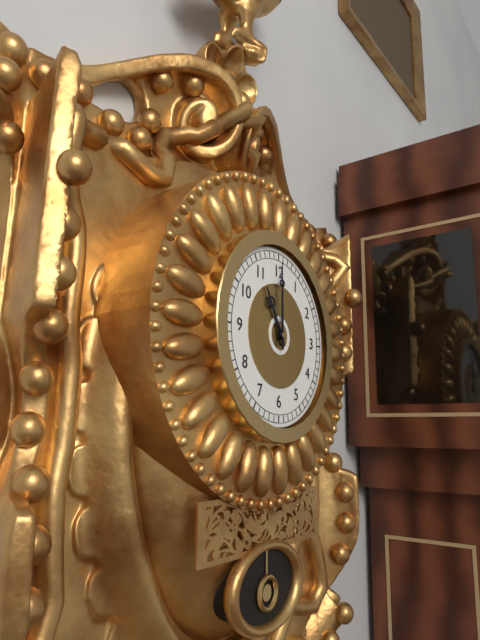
11:00
